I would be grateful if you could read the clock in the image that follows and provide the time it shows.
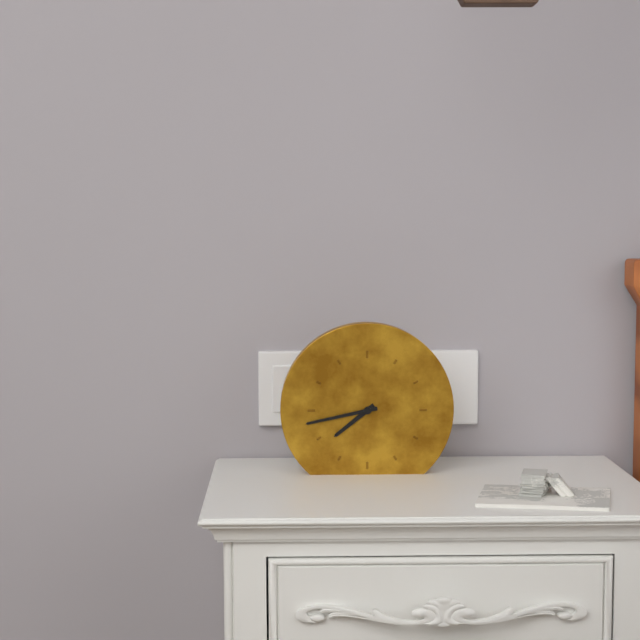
7:43
